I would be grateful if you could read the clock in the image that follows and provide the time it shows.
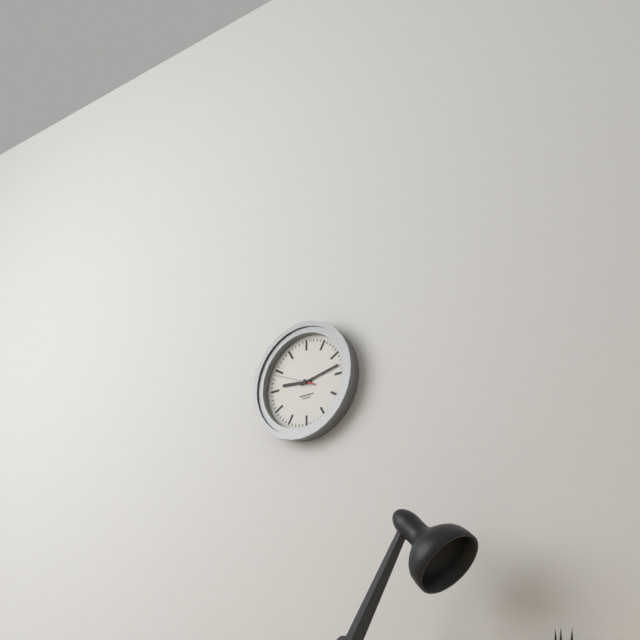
9:13
